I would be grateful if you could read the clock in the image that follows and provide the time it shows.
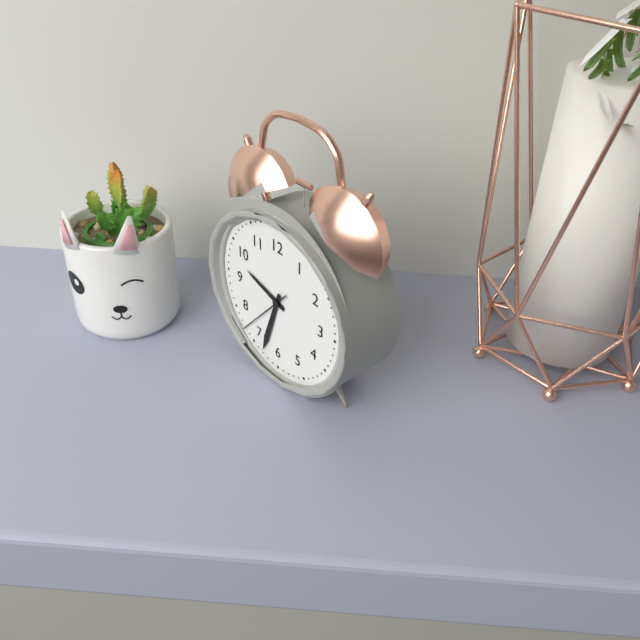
9:33:37
